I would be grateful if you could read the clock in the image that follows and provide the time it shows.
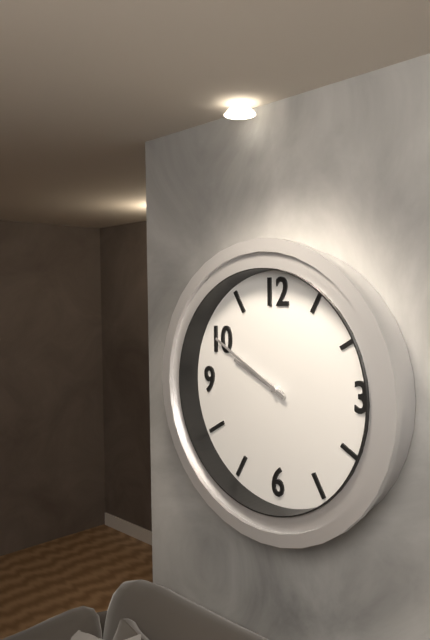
9:50
